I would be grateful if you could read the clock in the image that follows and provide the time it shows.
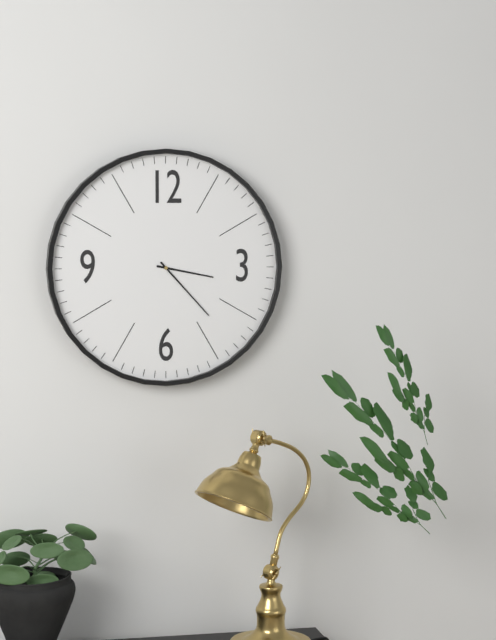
3:23
